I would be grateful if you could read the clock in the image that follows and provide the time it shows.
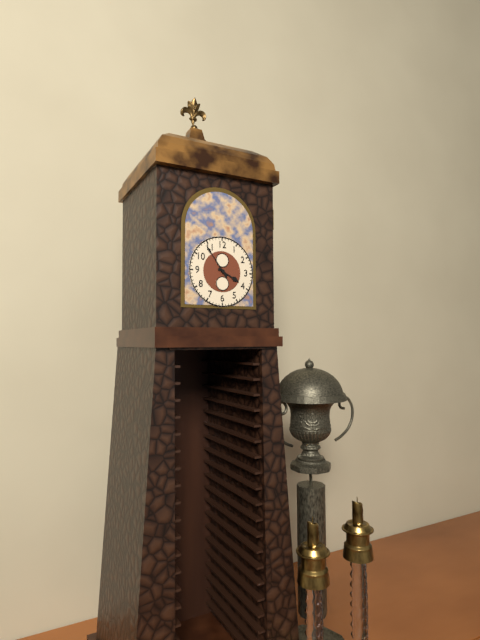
3:54
